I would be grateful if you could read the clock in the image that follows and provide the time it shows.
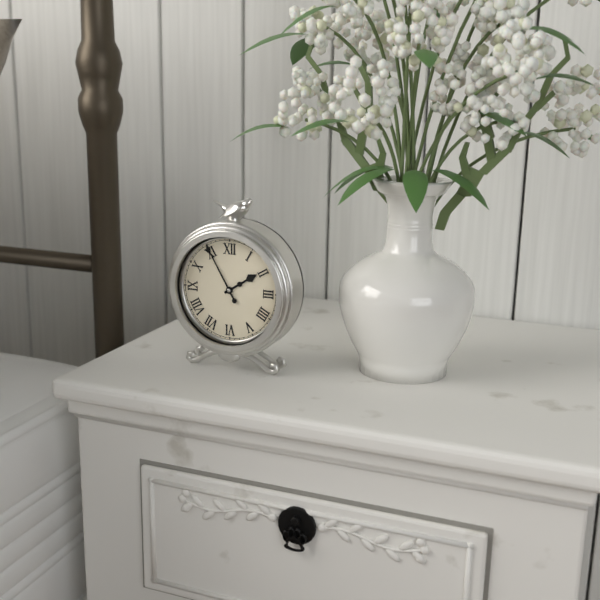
1:55
